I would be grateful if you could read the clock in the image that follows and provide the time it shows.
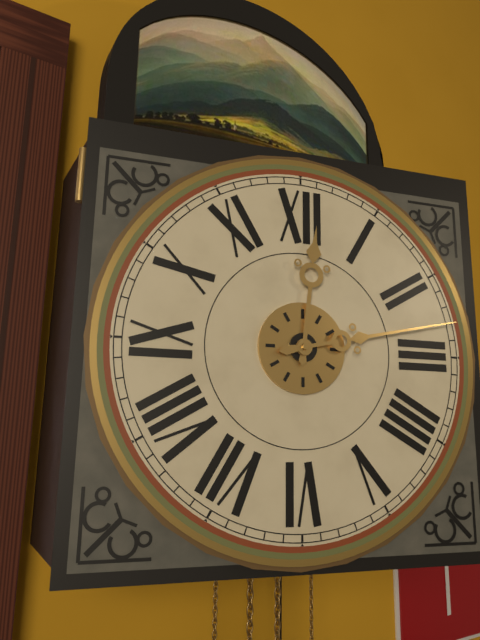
12:13
